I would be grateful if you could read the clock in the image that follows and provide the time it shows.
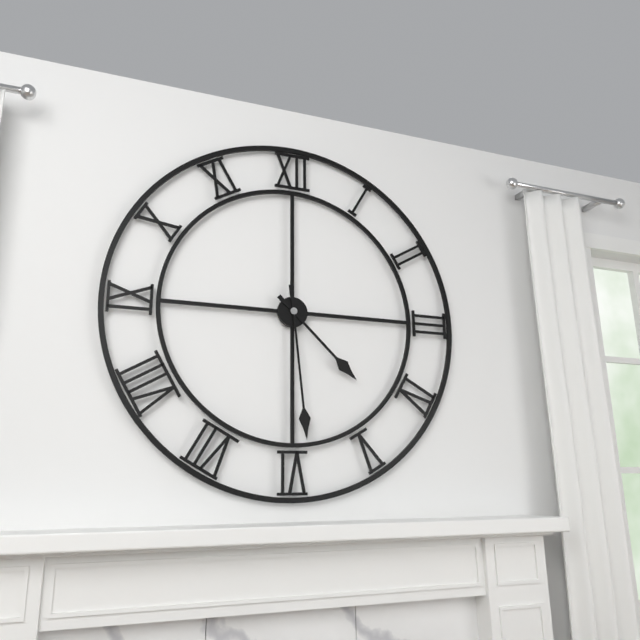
4:29
